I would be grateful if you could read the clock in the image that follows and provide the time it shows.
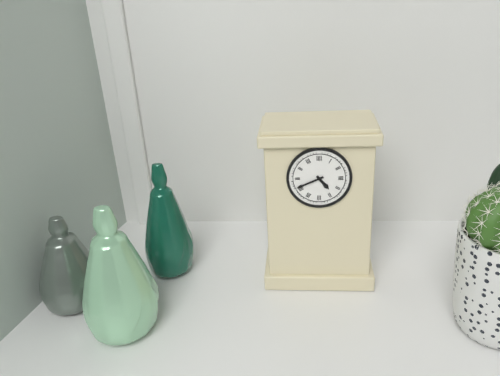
4:41
